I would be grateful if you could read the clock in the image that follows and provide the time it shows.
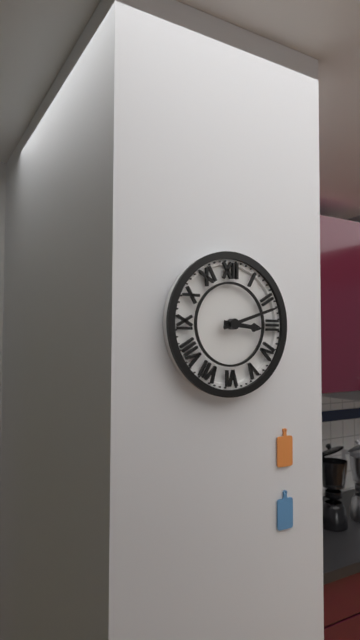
3:12
